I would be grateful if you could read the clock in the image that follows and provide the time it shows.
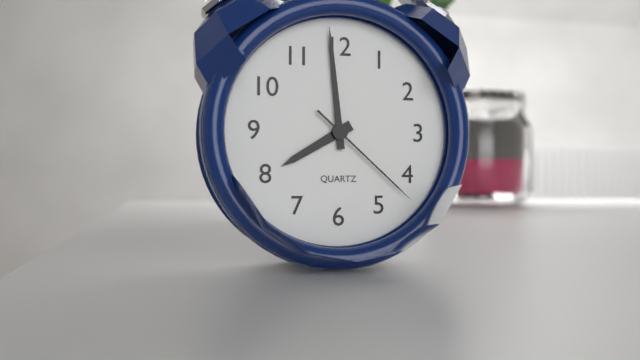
7:59:22
